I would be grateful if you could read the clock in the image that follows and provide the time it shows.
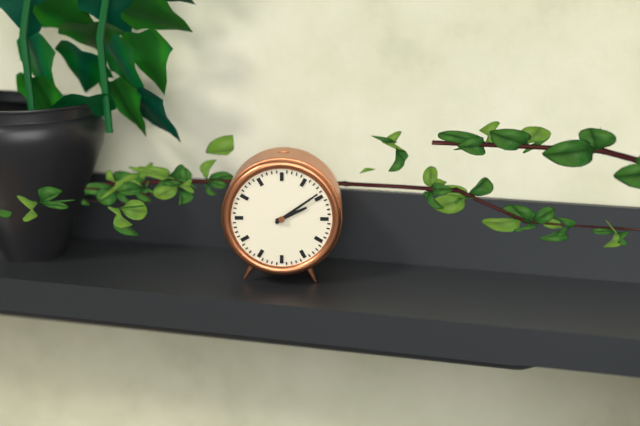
2:09
